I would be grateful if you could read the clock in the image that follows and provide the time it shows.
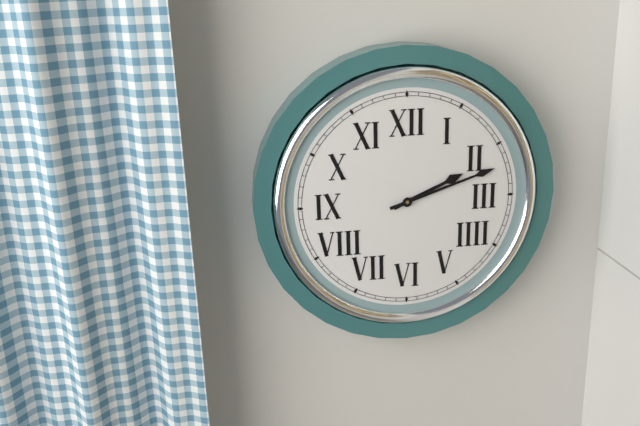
2:12
